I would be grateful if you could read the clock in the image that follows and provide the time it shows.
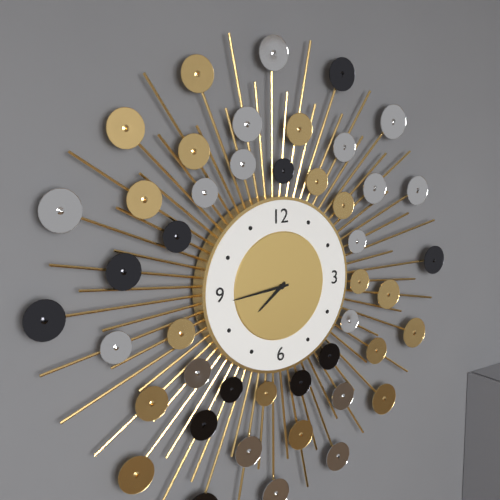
7:44
